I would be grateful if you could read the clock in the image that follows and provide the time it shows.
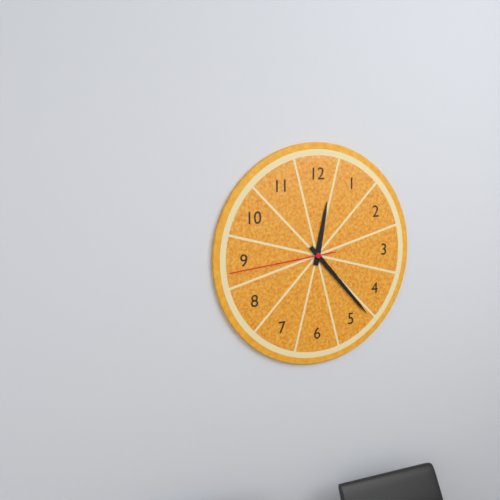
12:23:44
